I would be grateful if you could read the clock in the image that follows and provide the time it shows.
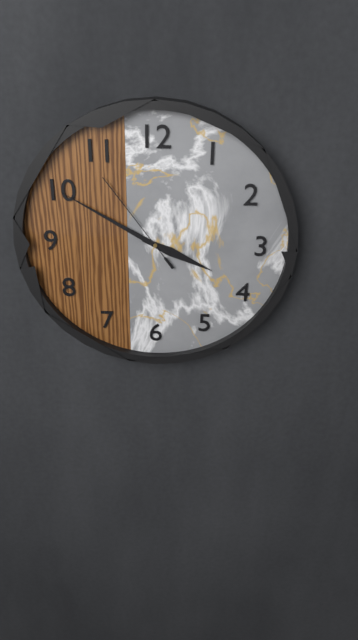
3:50:54
